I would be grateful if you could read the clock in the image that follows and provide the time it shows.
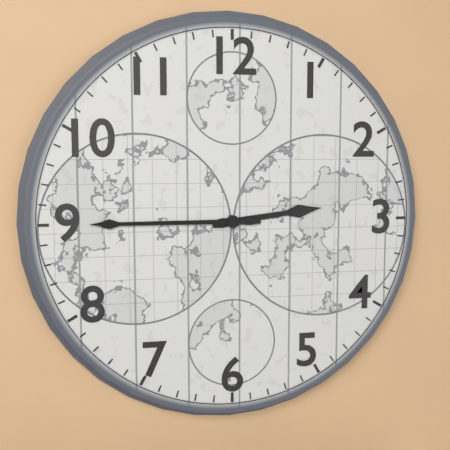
2:45
